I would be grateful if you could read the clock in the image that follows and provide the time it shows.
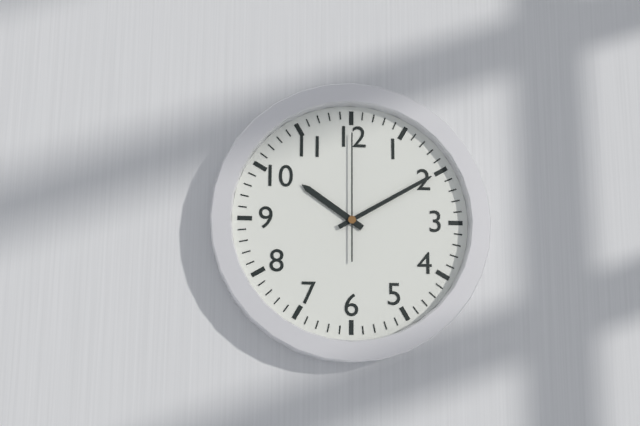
10:10:00
